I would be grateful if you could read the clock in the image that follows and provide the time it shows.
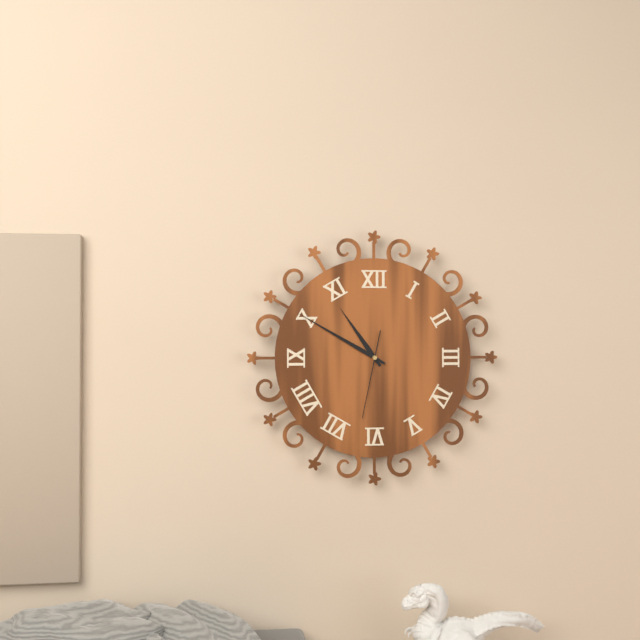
10:50:32
